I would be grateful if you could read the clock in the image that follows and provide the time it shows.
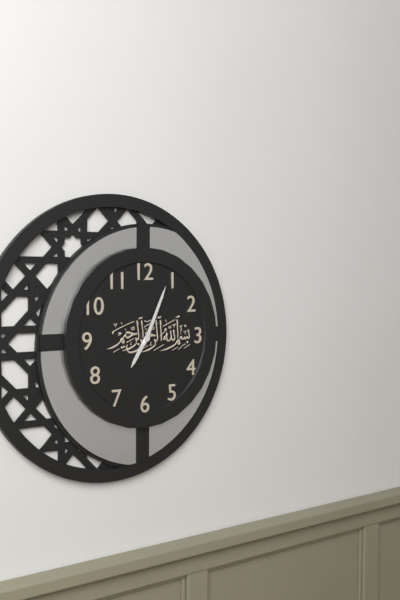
7:04
